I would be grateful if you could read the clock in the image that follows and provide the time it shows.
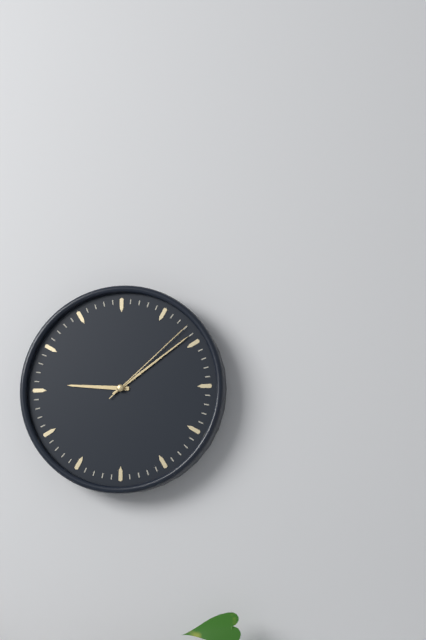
9:09:08
